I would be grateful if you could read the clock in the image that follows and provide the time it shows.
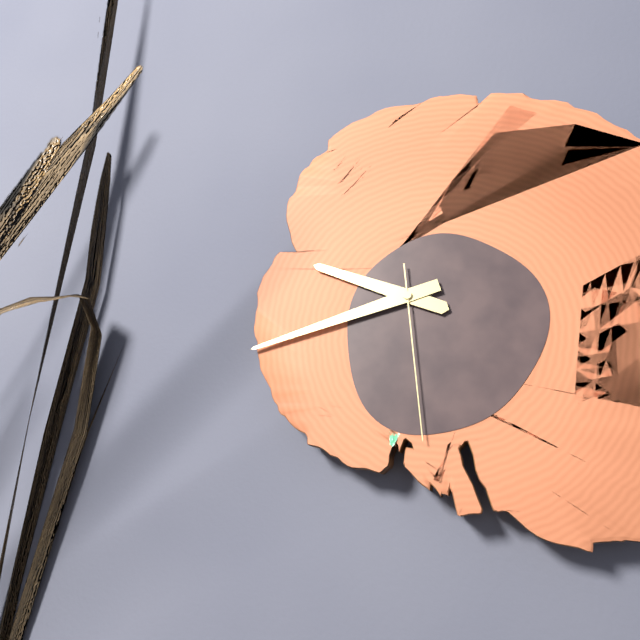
9:42:29
